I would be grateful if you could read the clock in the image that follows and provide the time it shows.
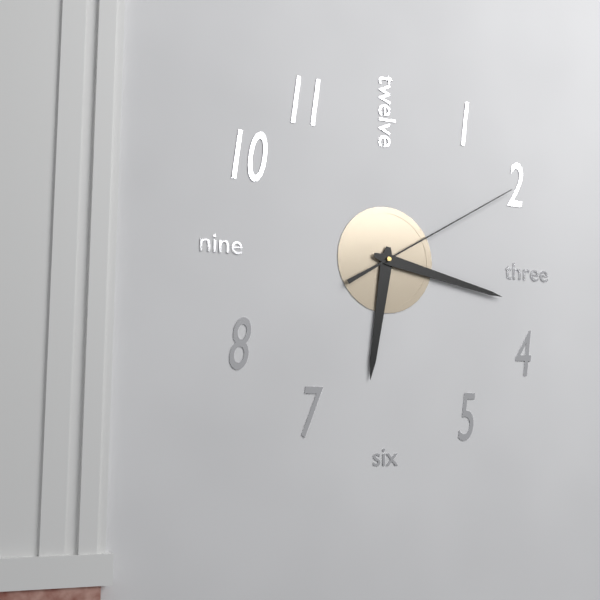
6:17:10
